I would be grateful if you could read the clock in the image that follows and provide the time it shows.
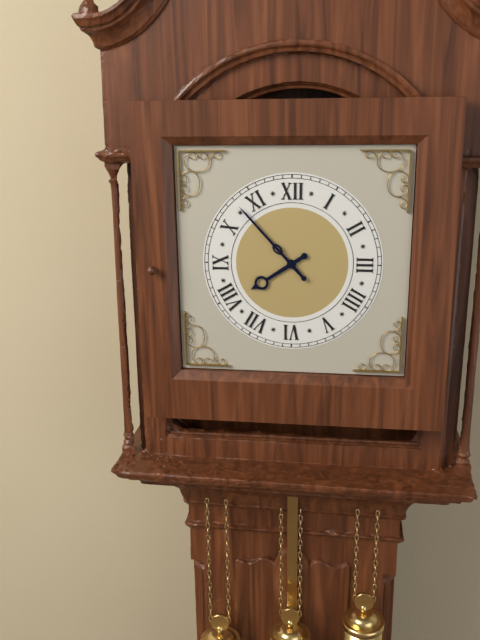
7:53
